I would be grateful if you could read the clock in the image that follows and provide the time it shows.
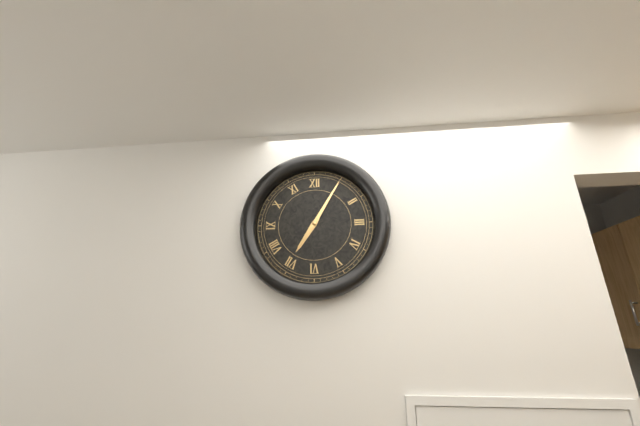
7:05
